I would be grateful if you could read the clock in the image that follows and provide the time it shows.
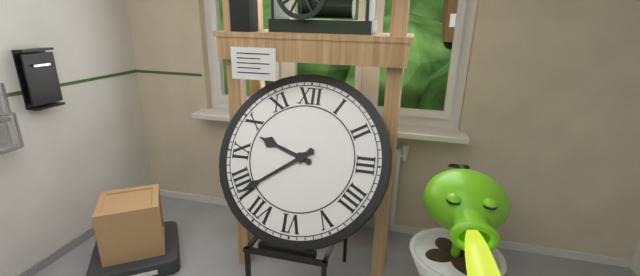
9:39
